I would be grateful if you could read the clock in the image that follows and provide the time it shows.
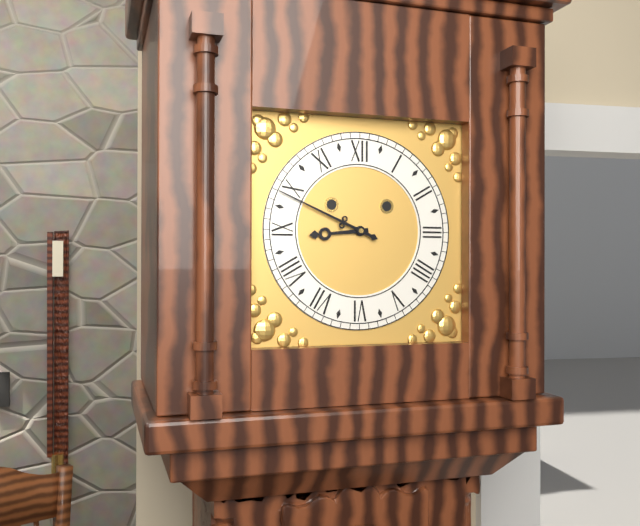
8:49
